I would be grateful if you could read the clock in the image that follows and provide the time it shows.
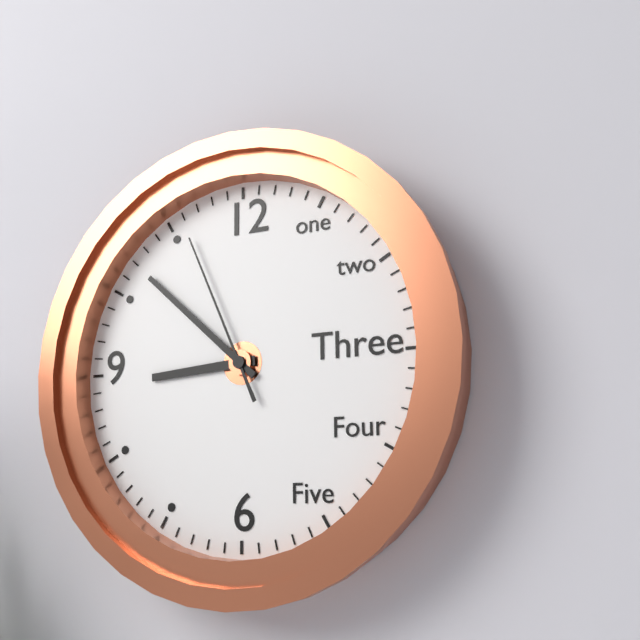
8:52:56
